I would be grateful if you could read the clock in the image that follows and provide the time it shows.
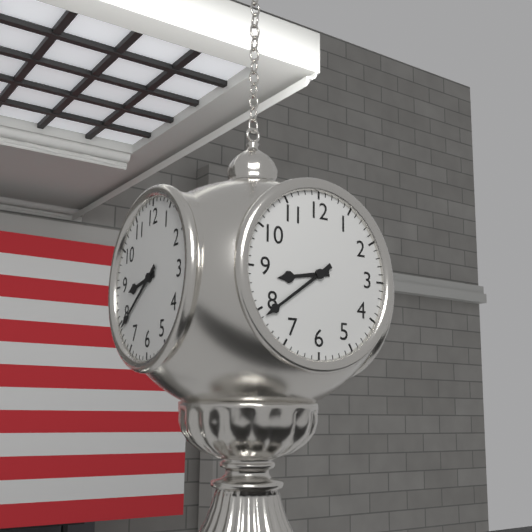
8:39
